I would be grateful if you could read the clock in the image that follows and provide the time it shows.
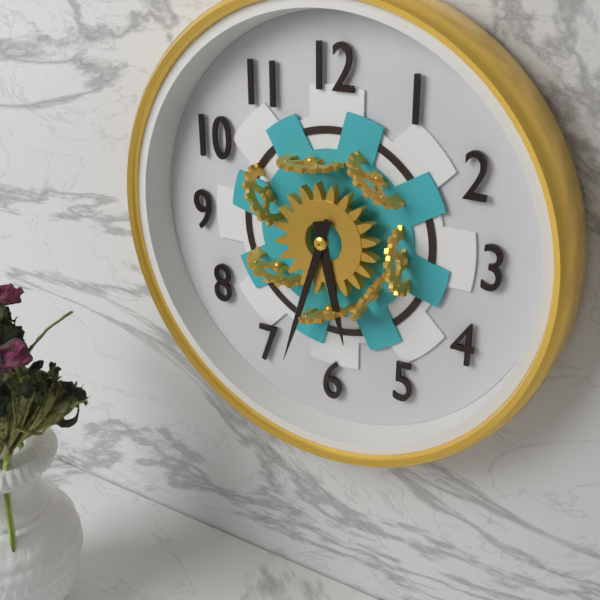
5:33
